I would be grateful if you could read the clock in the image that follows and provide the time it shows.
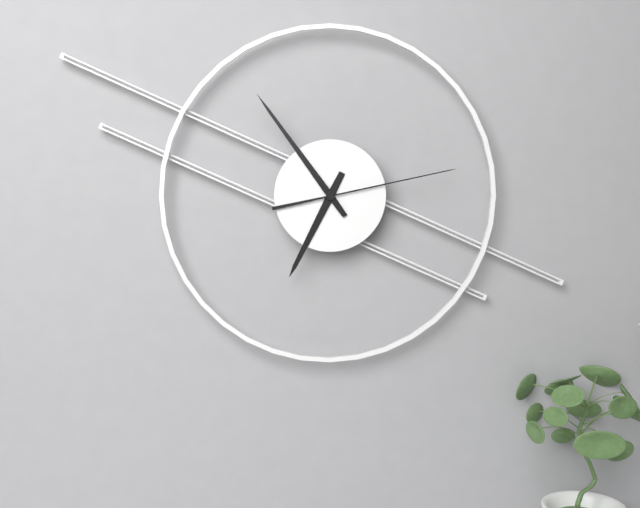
6:54:13
